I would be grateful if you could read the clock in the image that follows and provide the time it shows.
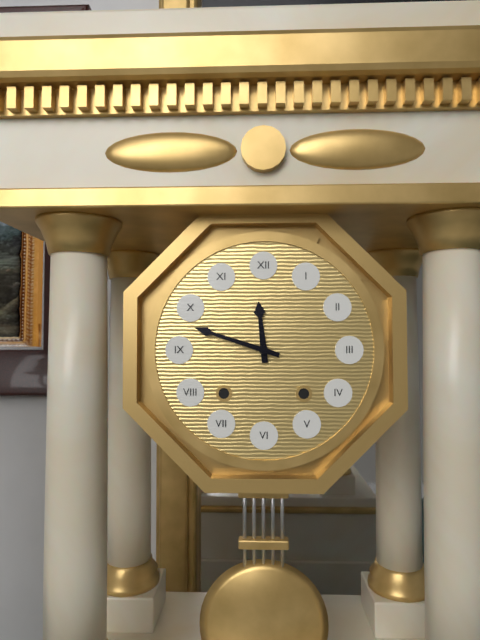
11:48
